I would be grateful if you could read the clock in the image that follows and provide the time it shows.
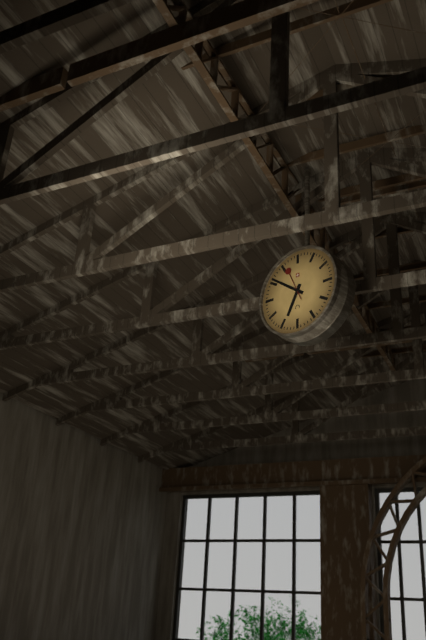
6:51
